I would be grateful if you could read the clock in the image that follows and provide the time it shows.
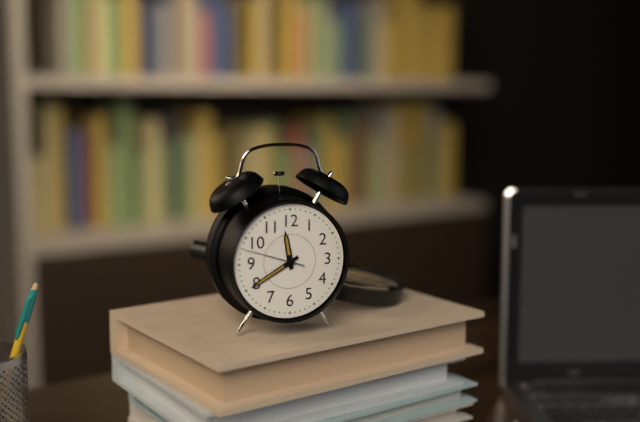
11:40:48
